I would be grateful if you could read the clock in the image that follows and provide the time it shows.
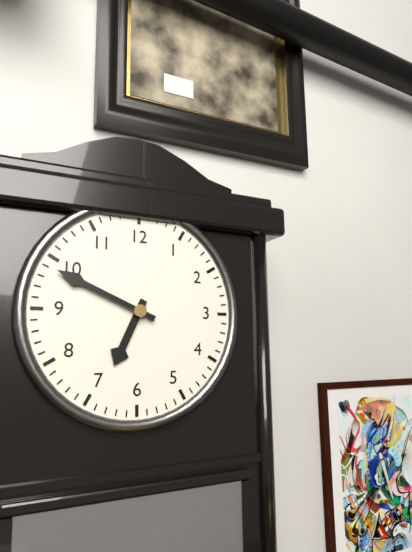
6:49
